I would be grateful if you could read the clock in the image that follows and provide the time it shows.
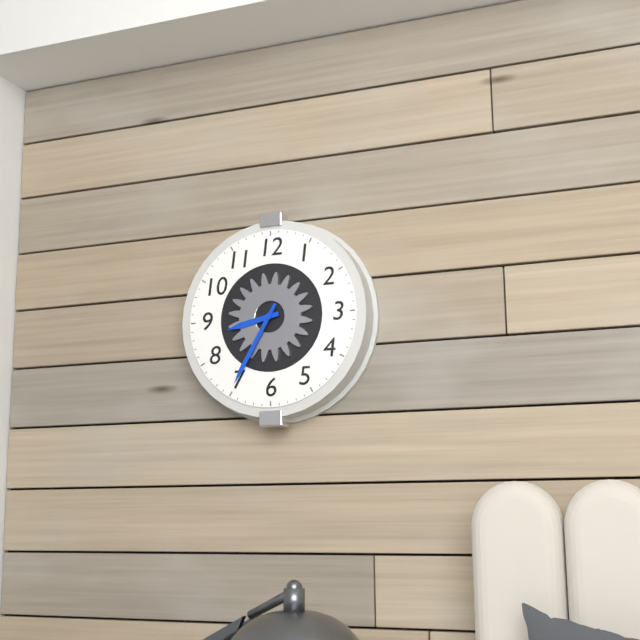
8:35
